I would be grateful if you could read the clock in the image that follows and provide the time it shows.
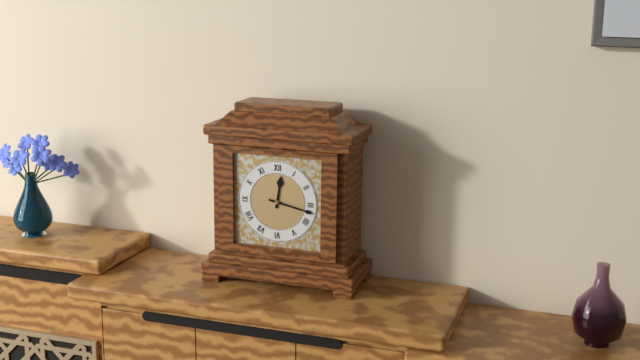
12:17
